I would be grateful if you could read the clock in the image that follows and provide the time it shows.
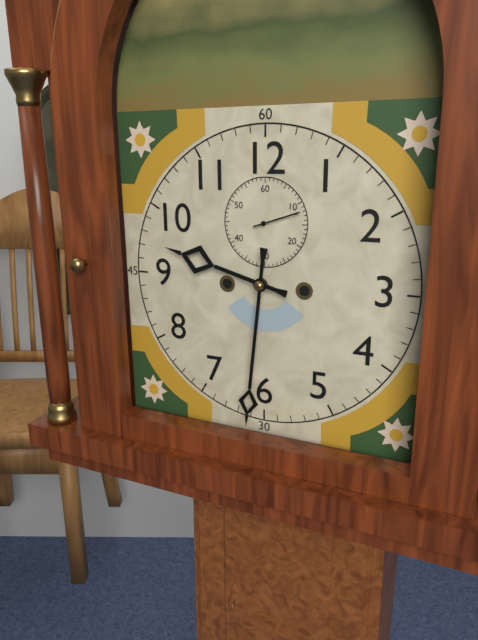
9:31
